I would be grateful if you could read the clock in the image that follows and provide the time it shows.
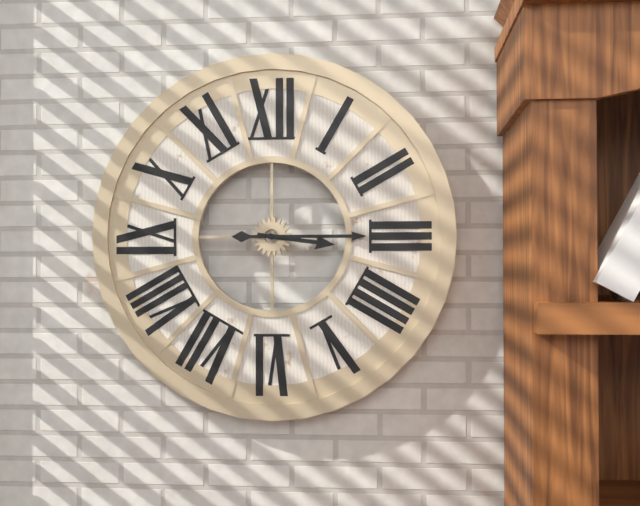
3:15
